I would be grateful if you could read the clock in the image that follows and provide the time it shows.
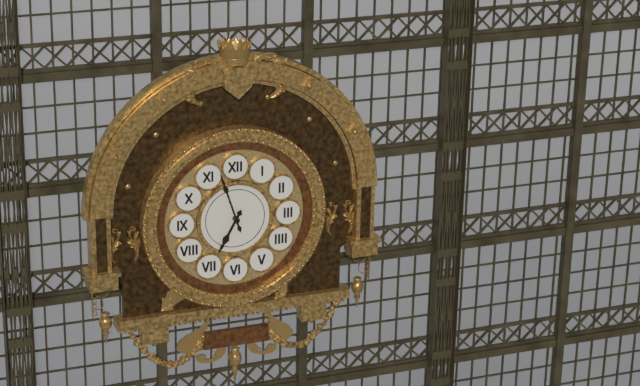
6:57
